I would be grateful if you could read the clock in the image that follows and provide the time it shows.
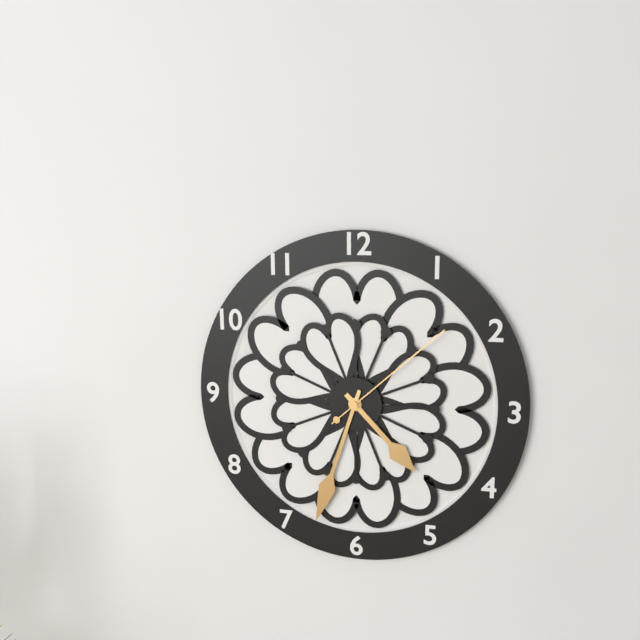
4:33:08
